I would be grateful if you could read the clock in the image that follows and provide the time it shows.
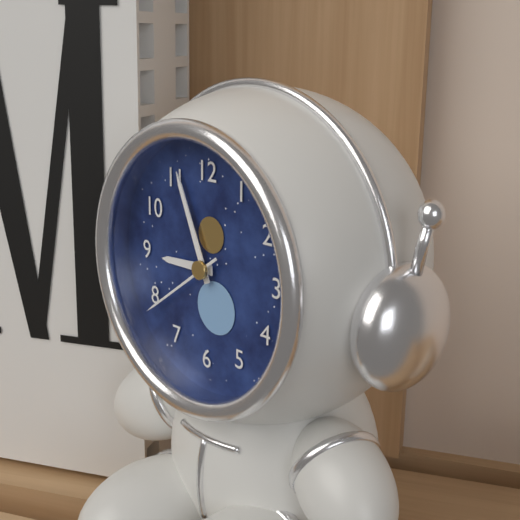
8:56:39
